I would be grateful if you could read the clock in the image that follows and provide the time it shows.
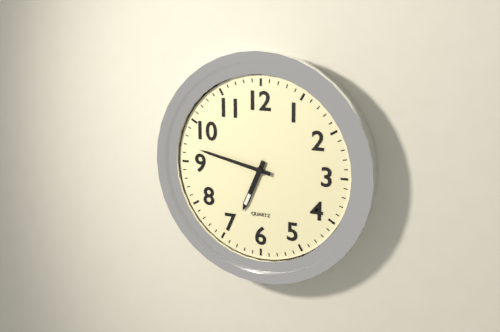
6:47
